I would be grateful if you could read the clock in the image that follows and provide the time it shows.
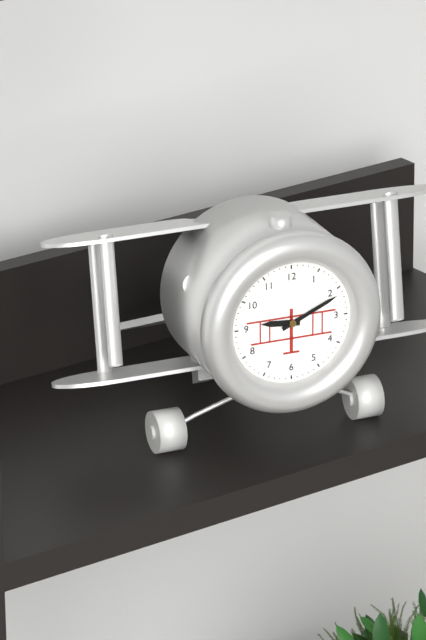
9:11
